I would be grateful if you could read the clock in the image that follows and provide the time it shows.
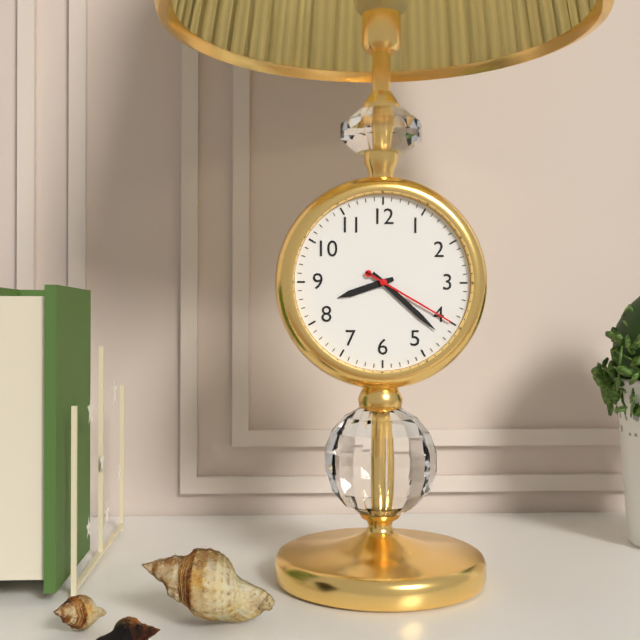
8:22:20
